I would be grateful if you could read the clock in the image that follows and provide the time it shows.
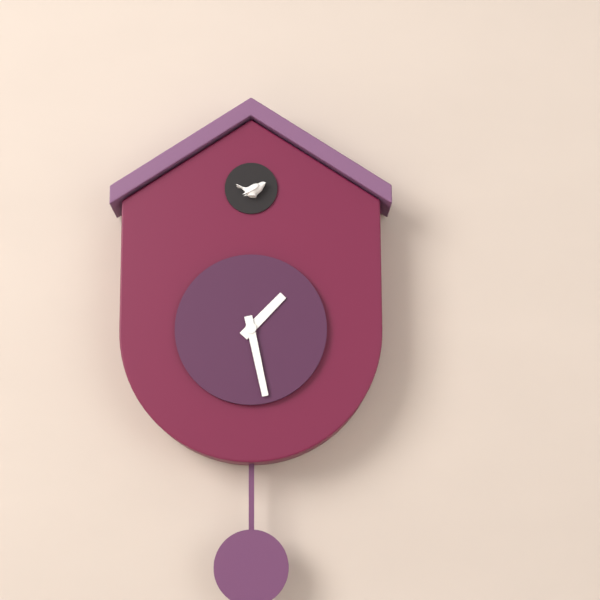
1:28
